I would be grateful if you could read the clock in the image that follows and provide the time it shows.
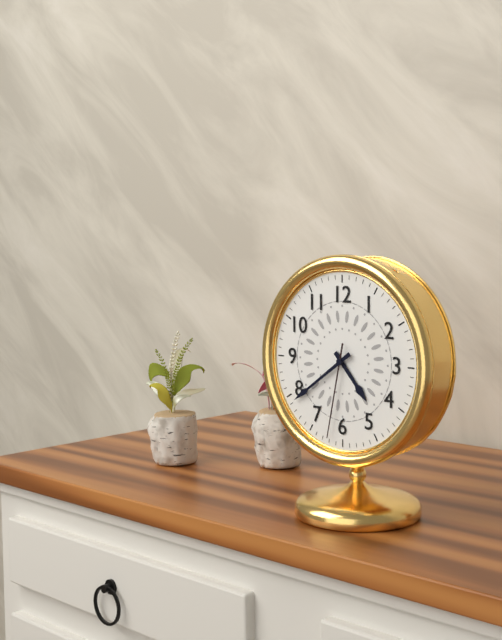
4:39:32
